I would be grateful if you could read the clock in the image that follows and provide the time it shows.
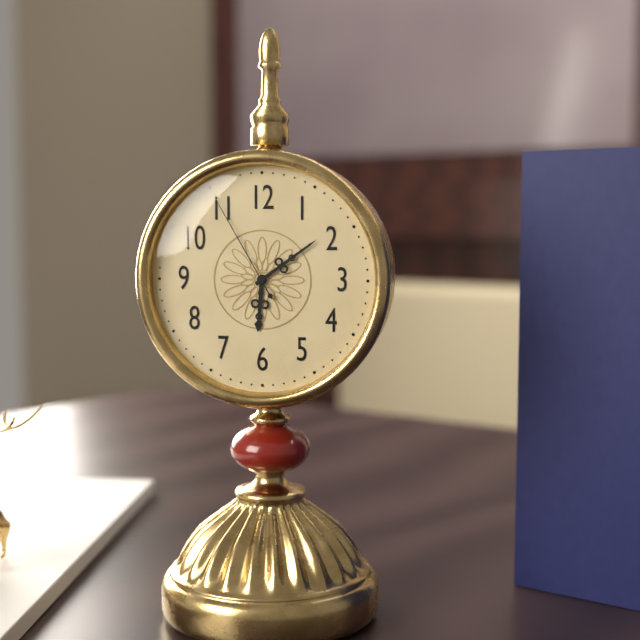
6:09:55
